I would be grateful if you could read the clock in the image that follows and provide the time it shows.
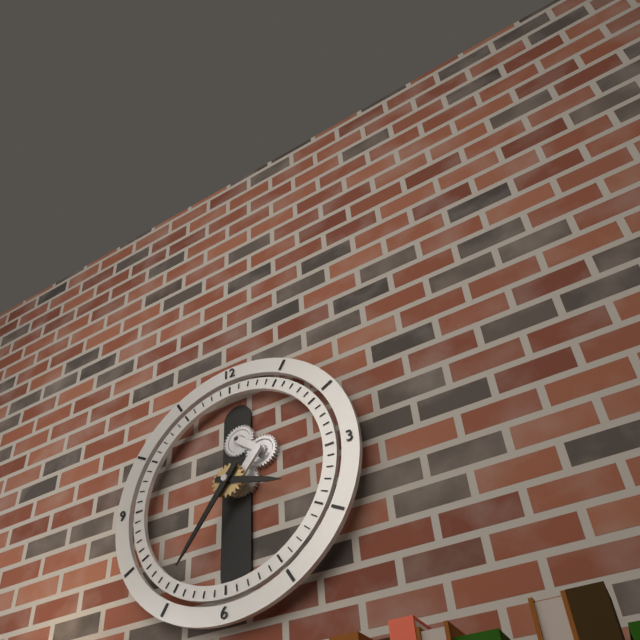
3:36
